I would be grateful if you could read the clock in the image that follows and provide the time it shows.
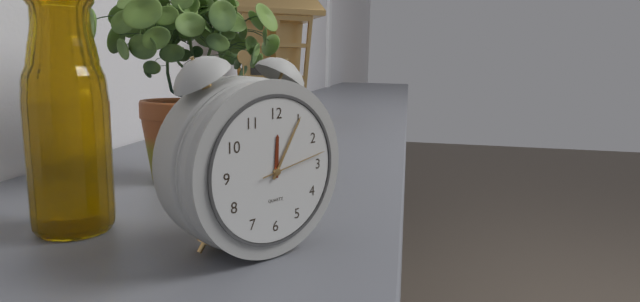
12:05:13
